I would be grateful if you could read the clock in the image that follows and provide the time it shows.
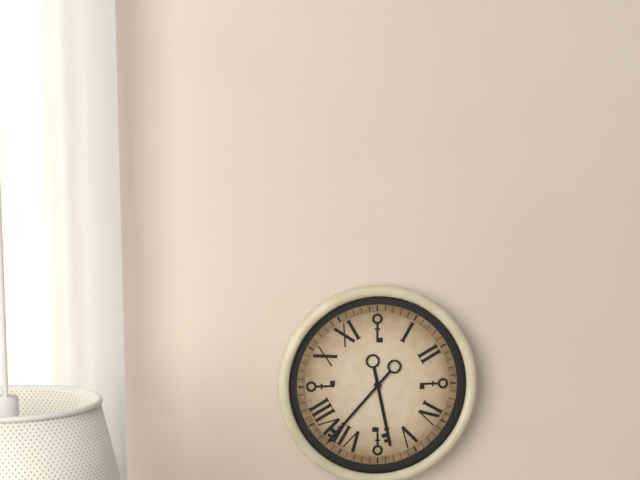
5:37
